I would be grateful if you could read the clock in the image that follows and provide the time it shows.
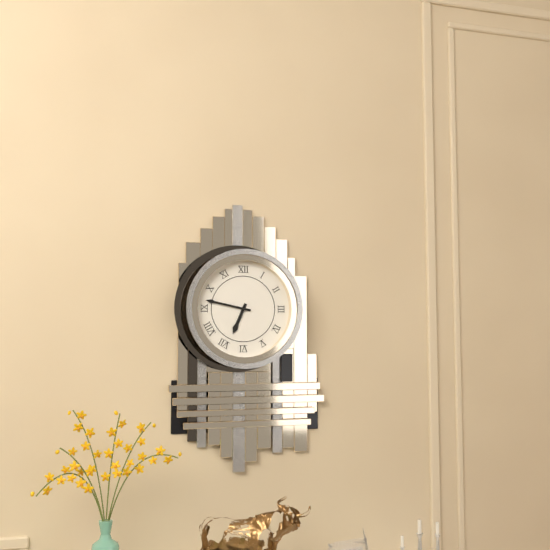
6:47
